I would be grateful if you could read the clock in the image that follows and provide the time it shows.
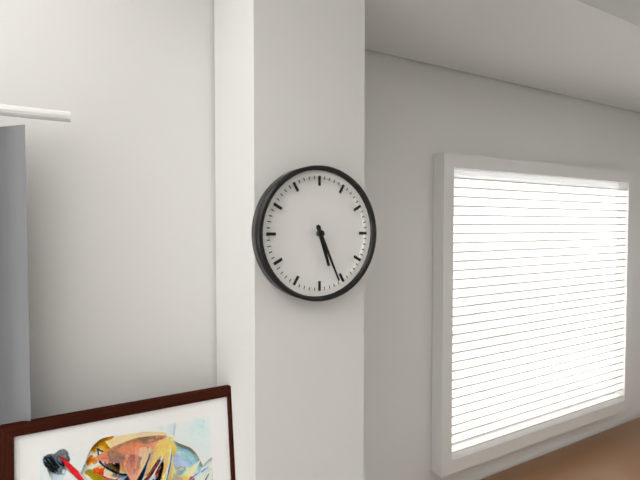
5:26
